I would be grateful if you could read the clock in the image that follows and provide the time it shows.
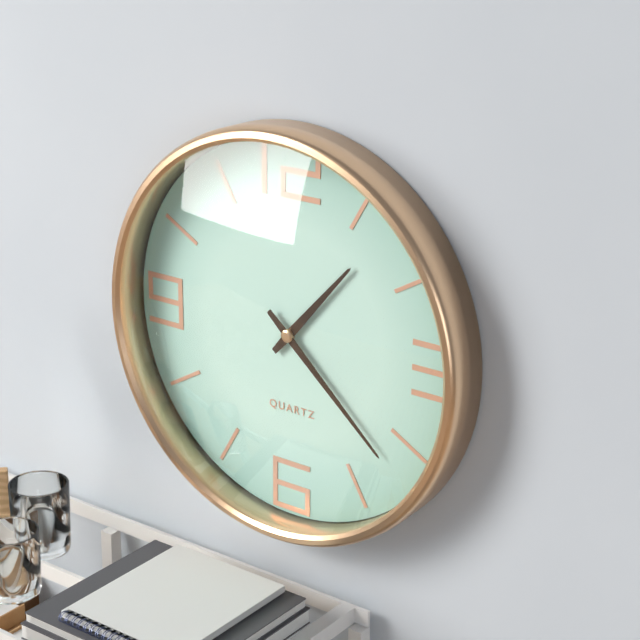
1:22
